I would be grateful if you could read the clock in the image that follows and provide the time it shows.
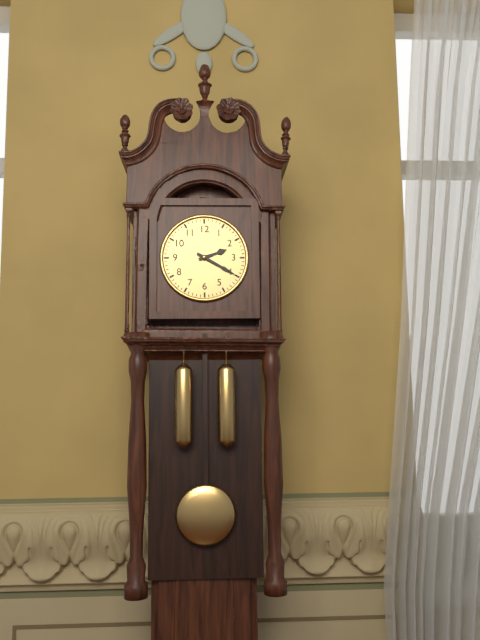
2:20
